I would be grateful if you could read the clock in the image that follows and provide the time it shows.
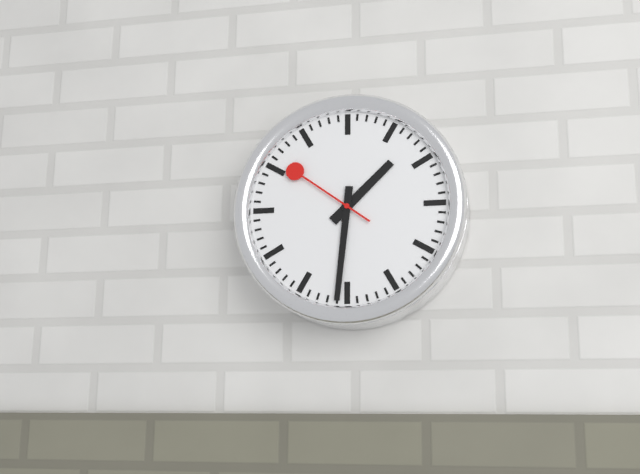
1:31:51
